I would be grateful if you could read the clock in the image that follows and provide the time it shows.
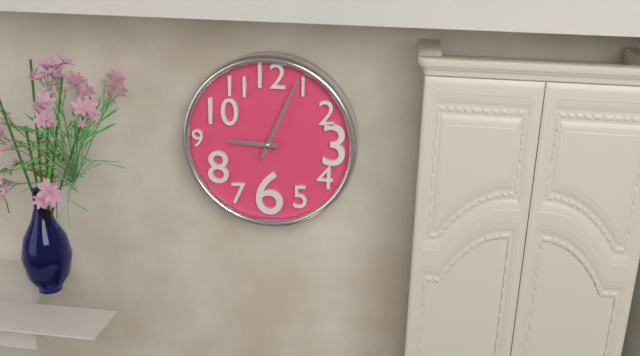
9:04
